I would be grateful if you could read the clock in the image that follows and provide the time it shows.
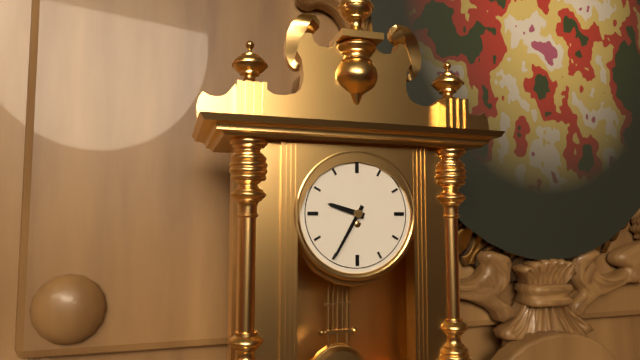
9:35
